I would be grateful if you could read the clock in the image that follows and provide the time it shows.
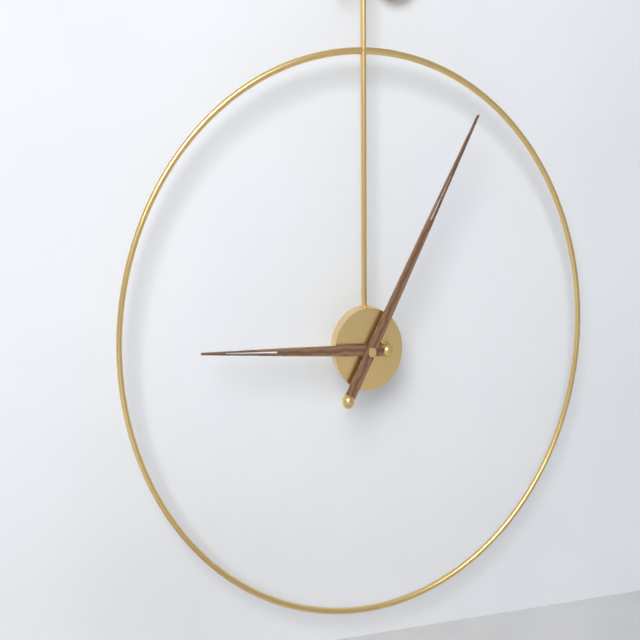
9:05
